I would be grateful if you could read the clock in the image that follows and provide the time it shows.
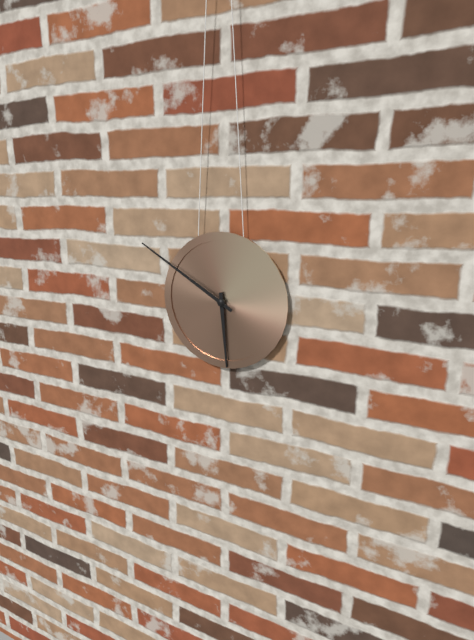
5:50
